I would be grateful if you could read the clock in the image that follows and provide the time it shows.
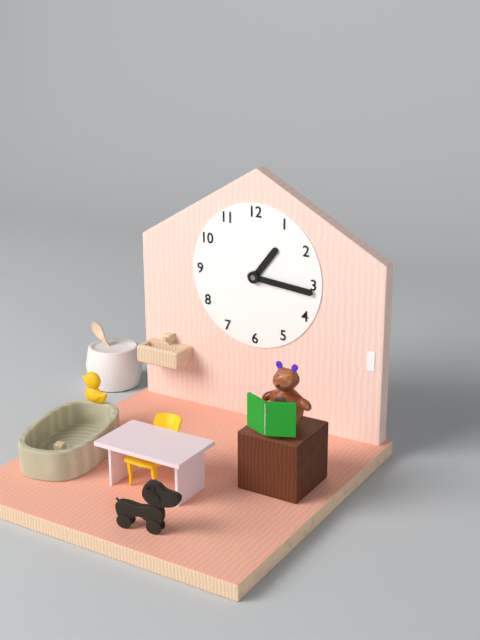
1:16
